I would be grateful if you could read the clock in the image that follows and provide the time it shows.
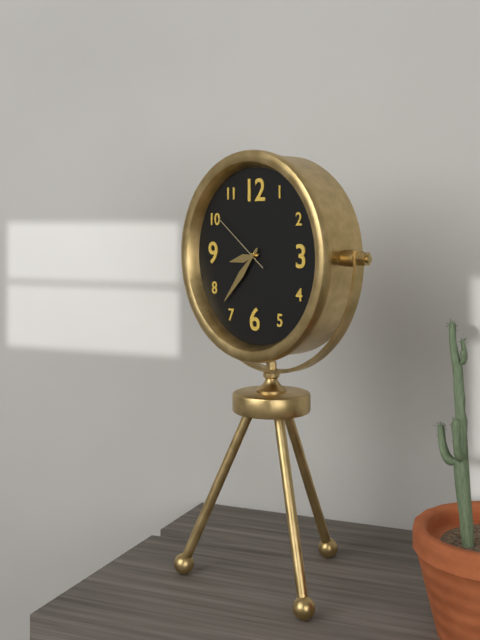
8:37:51
